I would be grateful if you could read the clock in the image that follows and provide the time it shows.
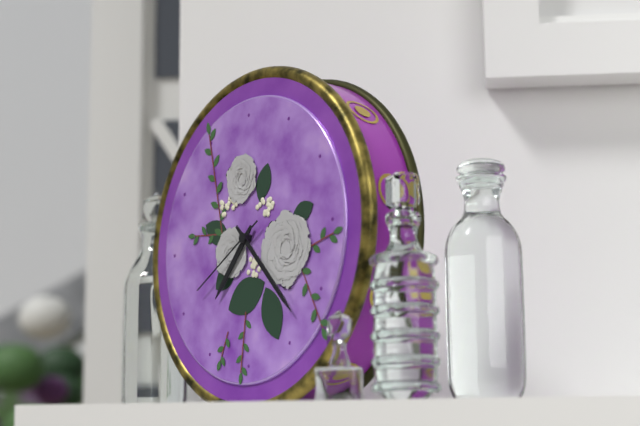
7:23:40
